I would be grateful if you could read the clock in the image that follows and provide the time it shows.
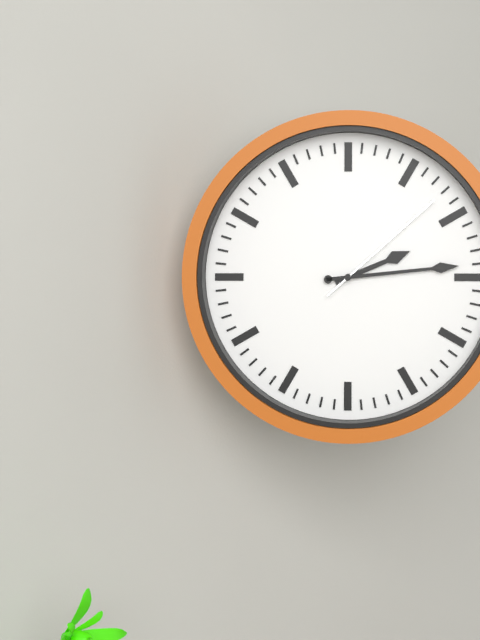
2:14:08
